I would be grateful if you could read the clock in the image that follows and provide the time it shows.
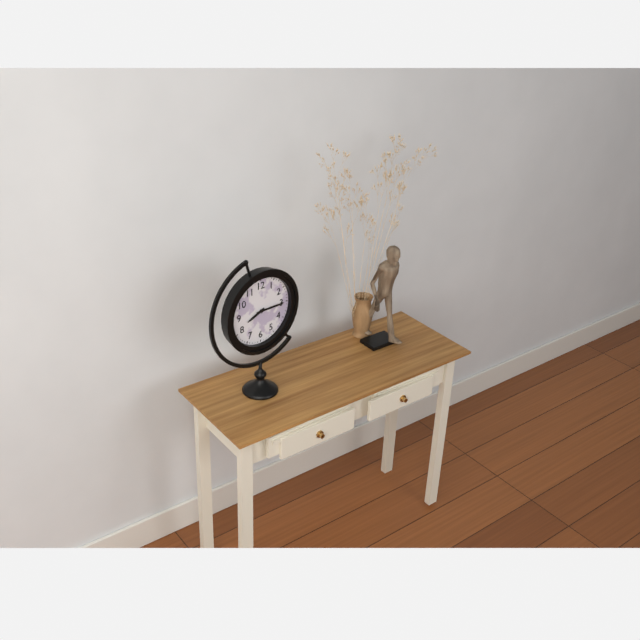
8:15
